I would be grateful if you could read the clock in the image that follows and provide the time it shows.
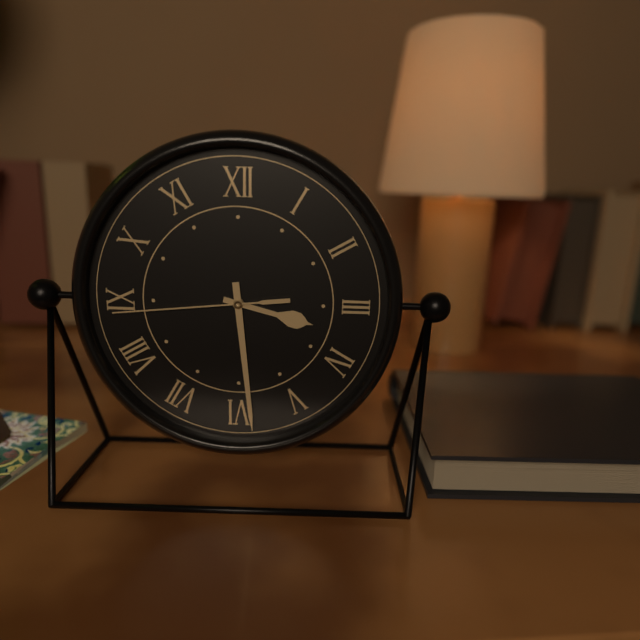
3:29:44
